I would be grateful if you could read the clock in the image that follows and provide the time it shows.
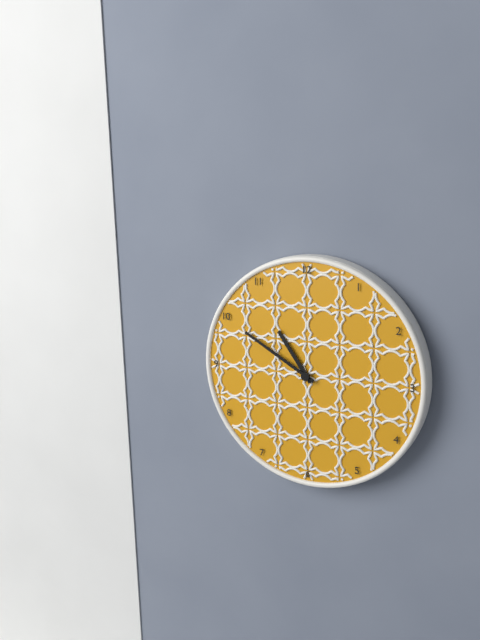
10:50
